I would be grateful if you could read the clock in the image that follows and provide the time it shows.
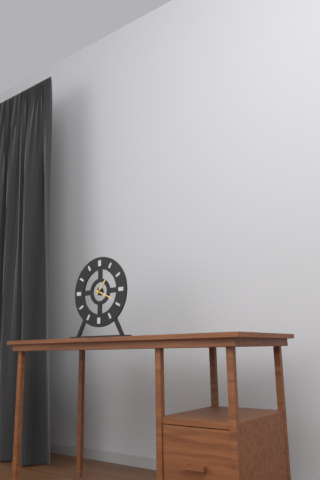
1:19
